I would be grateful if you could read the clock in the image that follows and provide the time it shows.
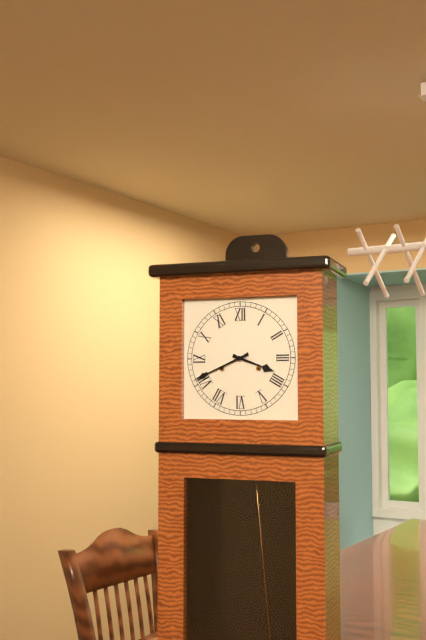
3:41
